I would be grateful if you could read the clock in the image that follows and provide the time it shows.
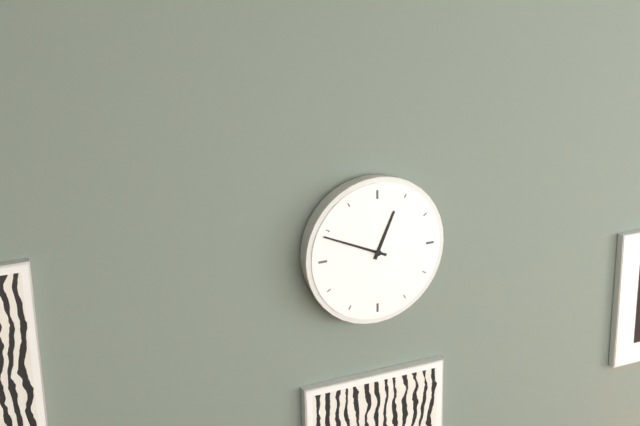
12:49
